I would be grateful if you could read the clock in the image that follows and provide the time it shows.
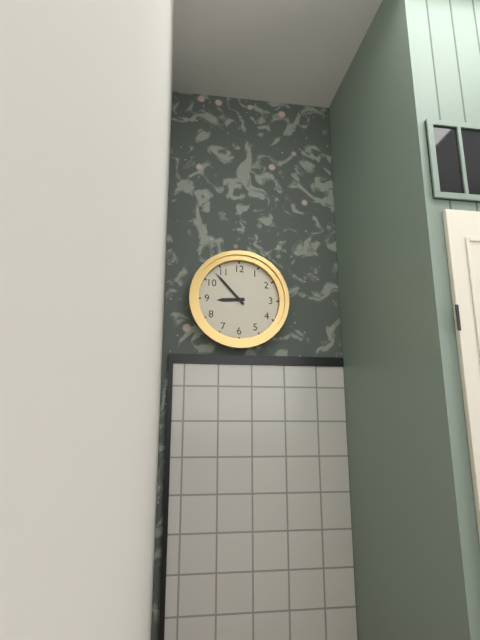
8:53
